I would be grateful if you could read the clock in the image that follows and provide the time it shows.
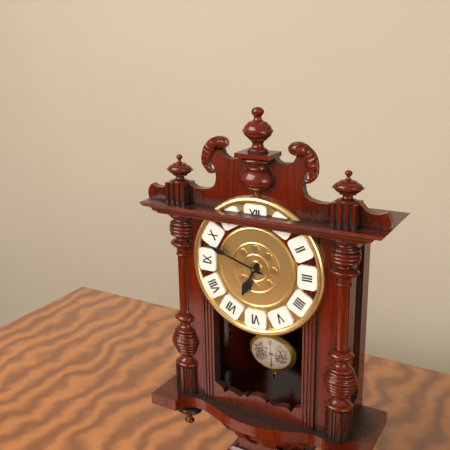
6:48
